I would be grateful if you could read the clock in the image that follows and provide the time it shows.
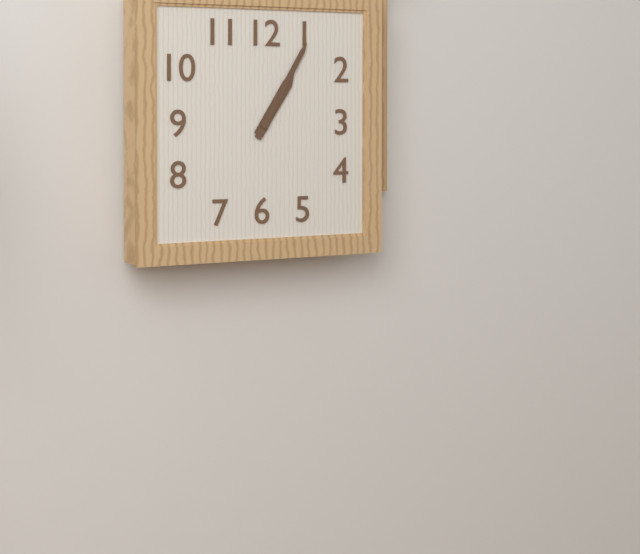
1:05
